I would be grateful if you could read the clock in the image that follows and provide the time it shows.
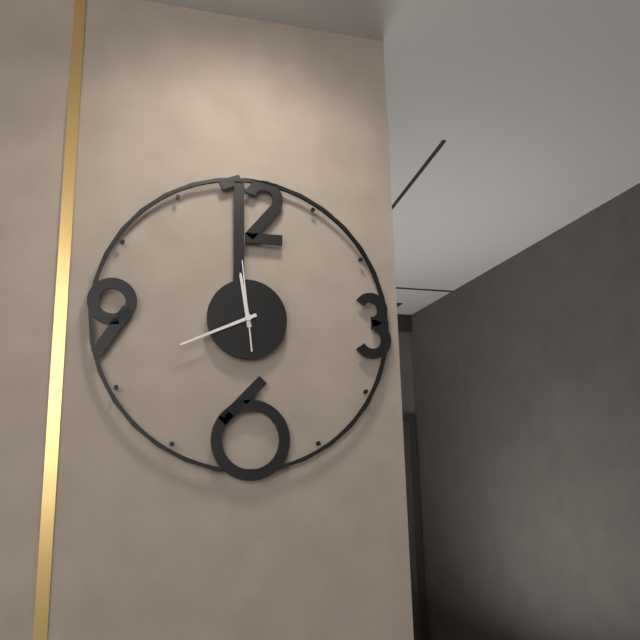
11:41:59
